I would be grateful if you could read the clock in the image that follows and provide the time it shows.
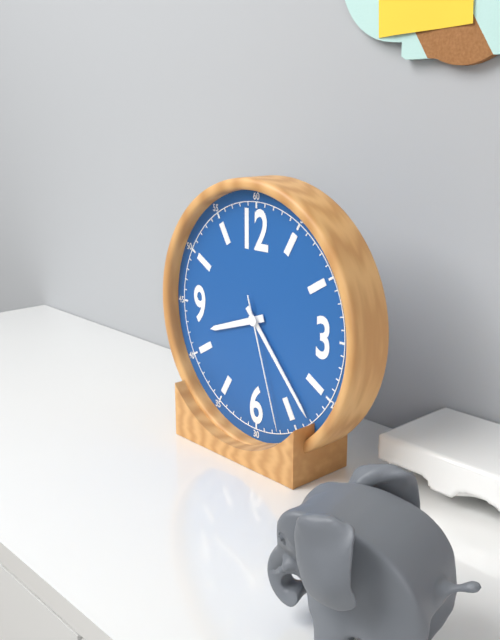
8:23:27
